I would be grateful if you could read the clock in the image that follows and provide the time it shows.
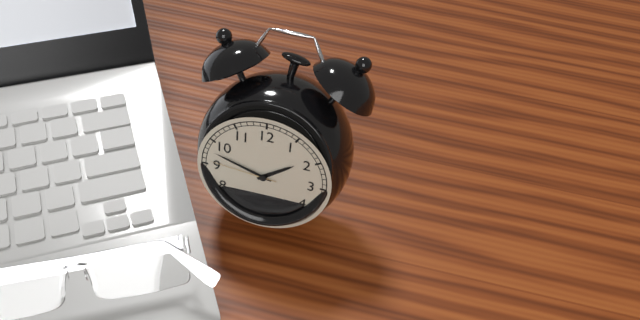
1:48:46
